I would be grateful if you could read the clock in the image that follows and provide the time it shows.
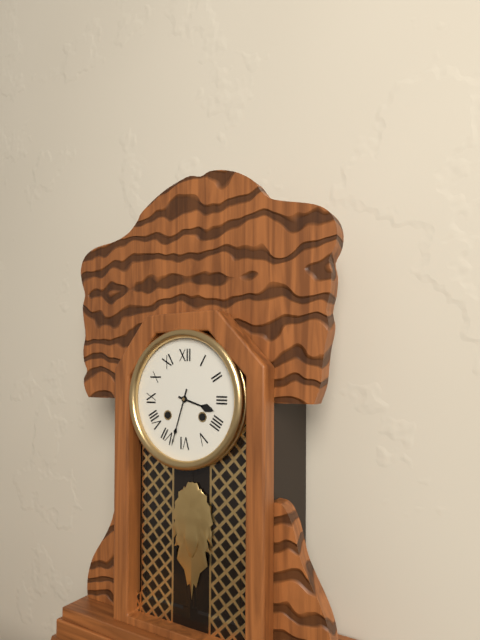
3:33
